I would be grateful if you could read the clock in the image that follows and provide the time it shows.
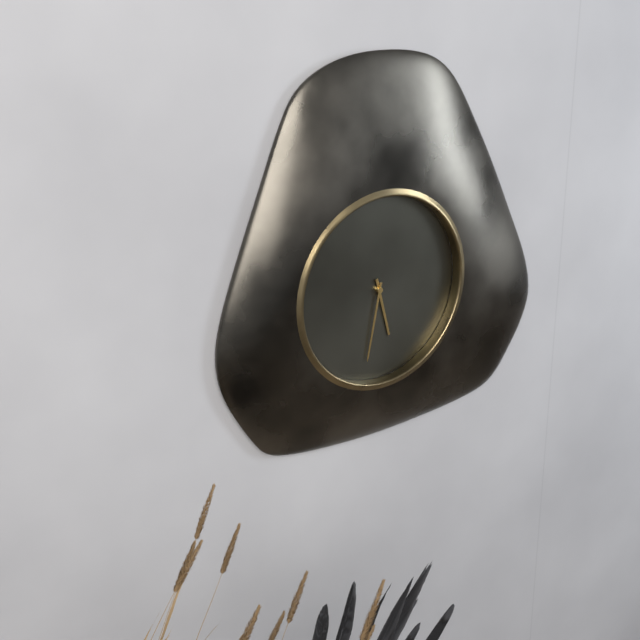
5:32
